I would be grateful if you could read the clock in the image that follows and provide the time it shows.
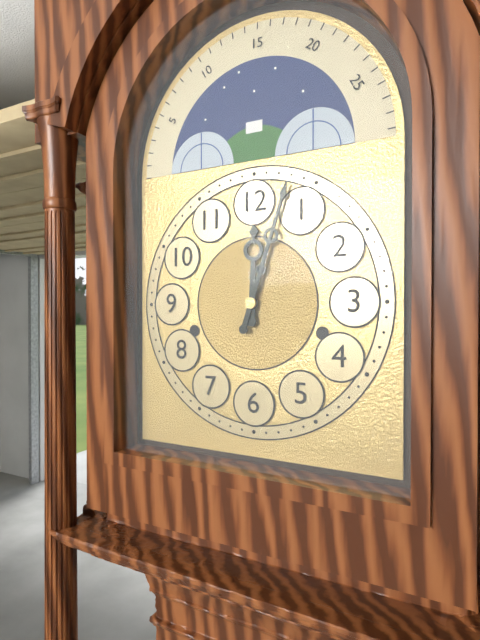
12:03
